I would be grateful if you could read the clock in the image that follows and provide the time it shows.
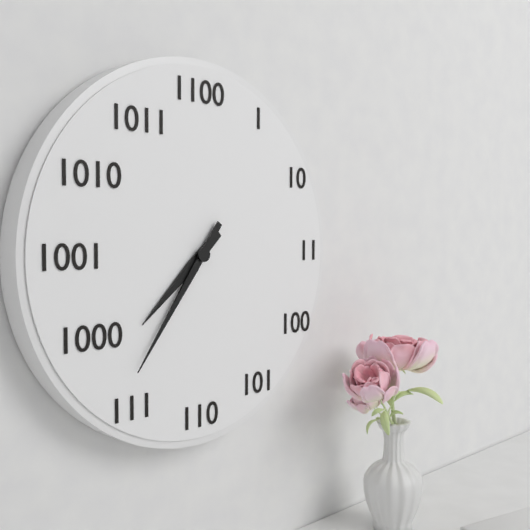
7:36
